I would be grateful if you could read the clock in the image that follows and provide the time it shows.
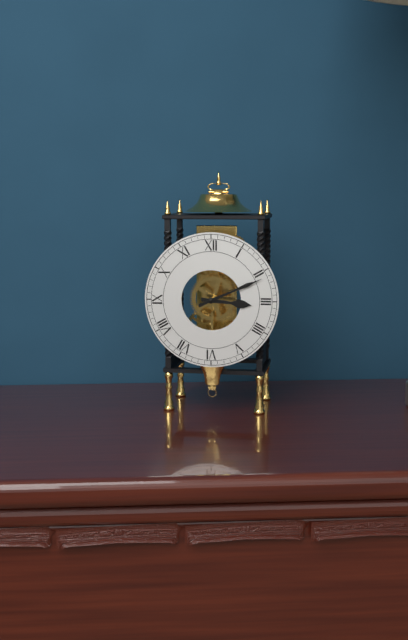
3:11
